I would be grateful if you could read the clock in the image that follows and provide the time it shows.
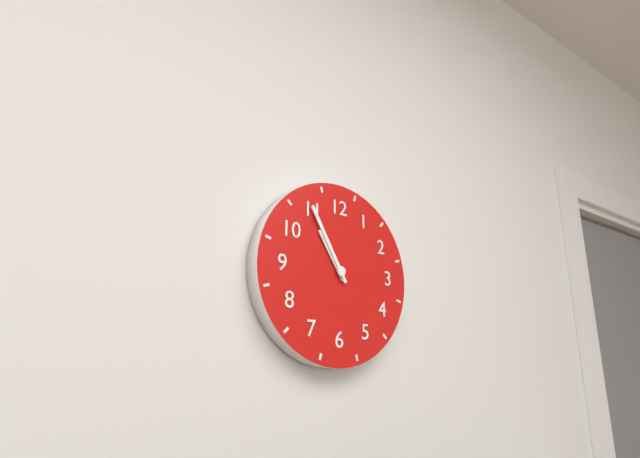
10:55
